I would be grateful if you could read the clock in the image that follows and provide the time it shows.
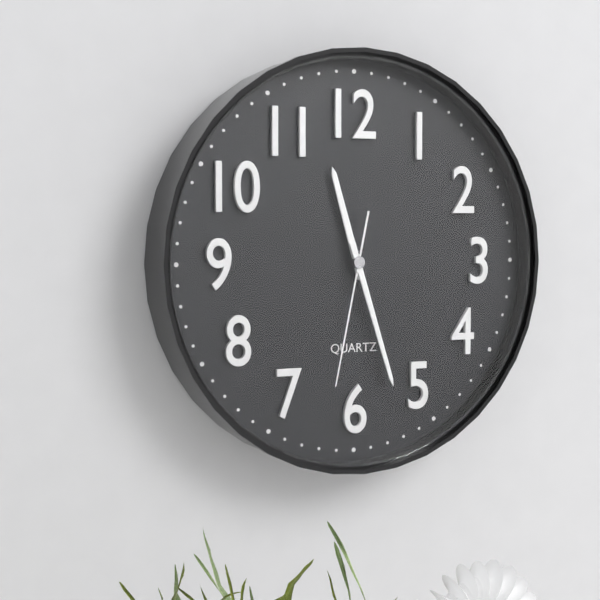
11:27:32
